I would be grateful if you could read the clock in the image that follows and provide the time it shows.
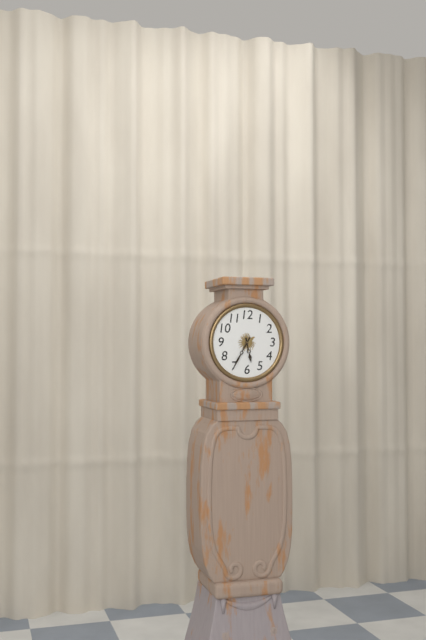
5:35
